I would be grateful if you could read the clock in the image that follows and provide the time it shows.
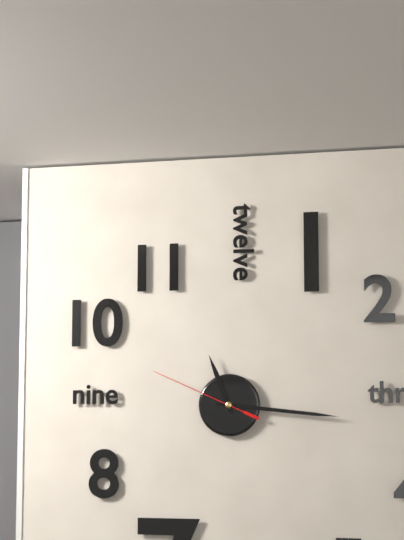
11:16:49
